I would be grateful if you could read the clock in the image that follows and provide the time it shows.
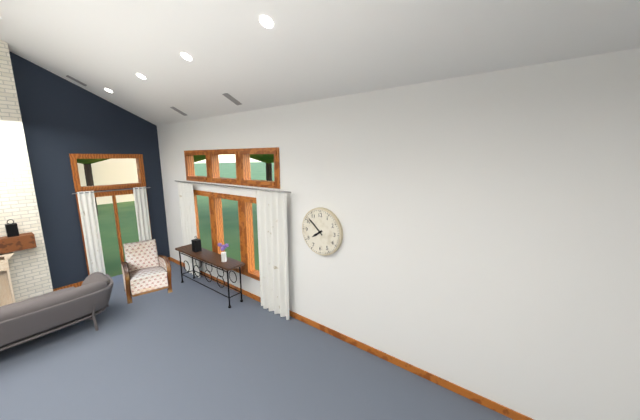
7:52
